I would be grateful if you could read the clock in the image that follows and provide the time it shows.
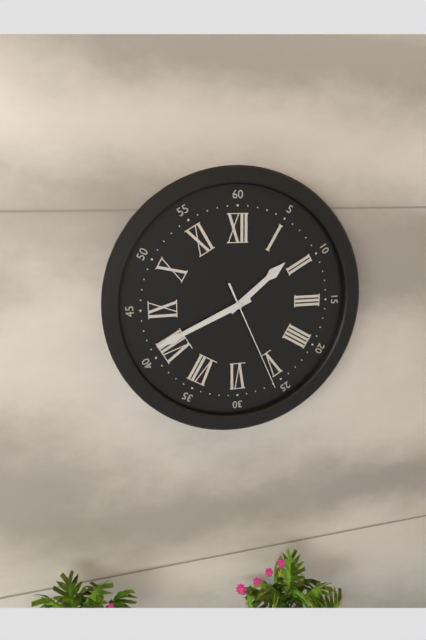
1:41:26
